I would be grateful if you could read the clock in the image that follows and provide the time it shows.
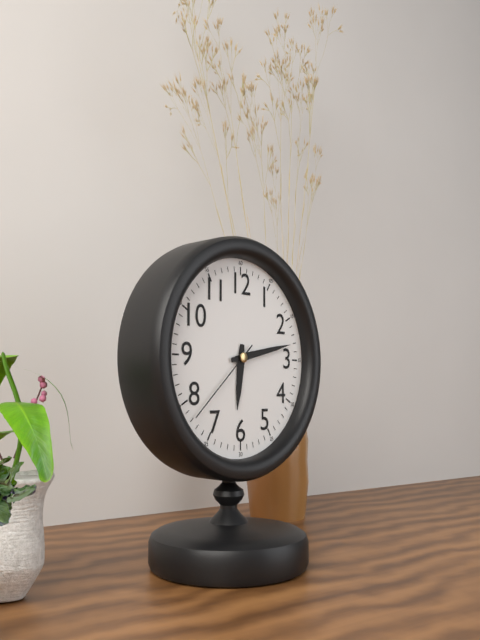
6:13:38
